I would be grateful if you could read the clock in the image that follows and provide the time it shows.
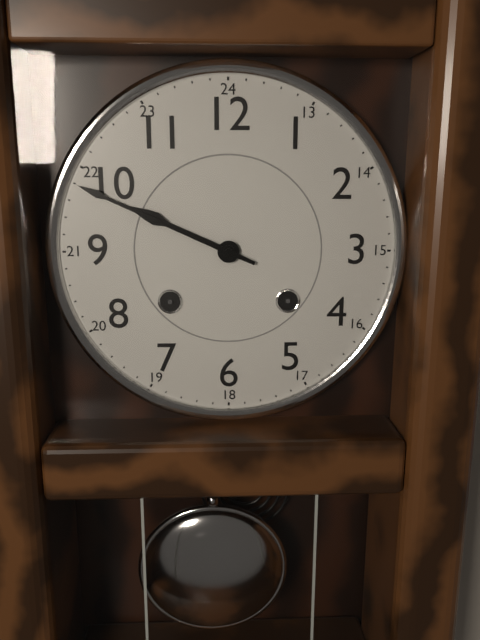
9:49
